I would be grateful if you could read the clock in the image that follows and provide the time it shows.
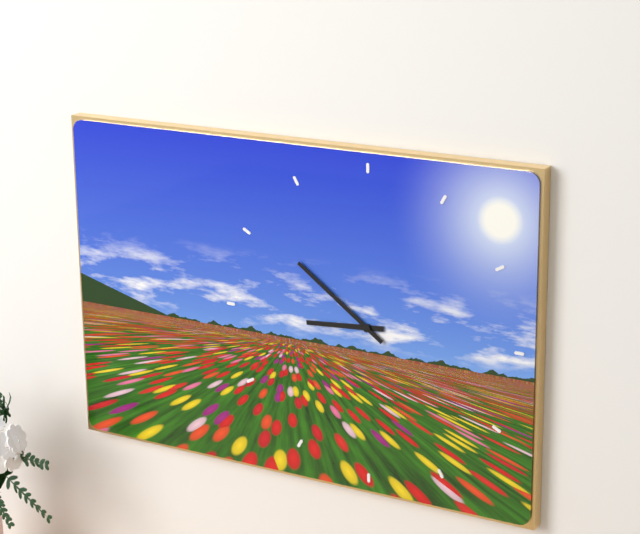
8:51
